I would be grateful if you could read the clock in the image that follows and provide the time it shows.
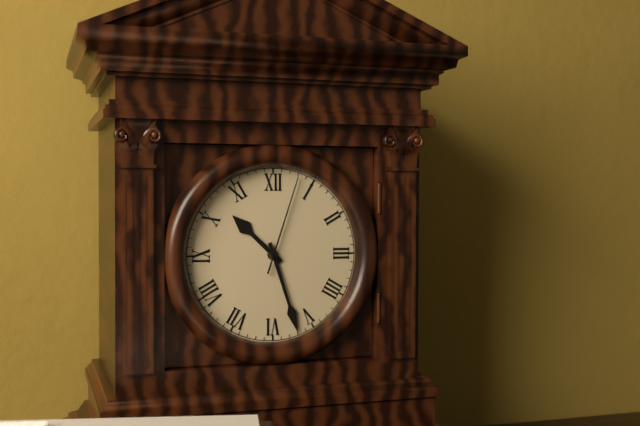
10:27:03
